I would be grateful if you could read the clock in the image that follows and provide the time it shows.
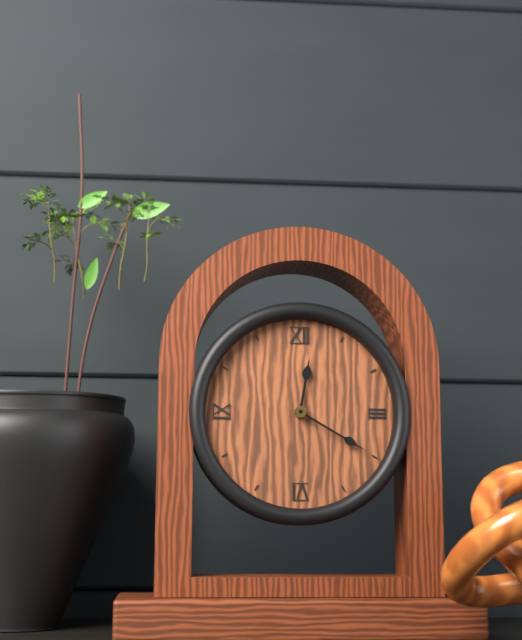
12:20
